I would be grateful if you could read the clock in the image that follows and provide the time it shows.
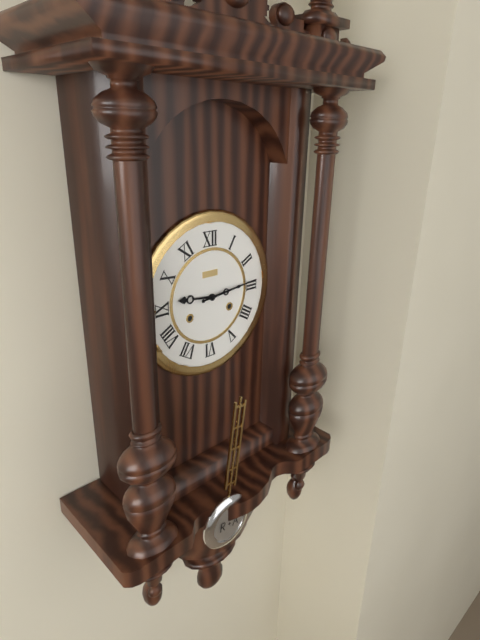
9:14
